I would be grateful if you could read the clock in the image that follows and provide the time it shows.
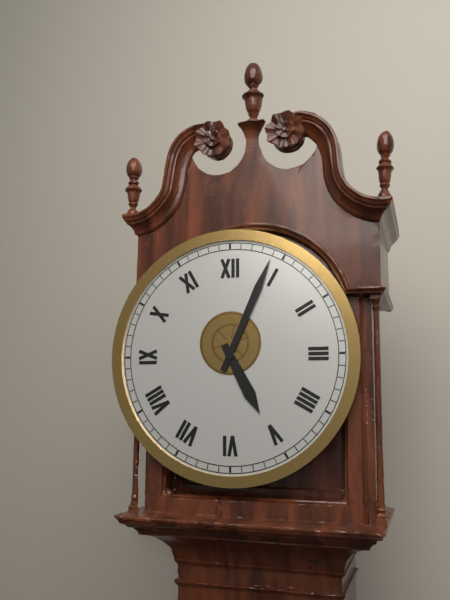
5:04
